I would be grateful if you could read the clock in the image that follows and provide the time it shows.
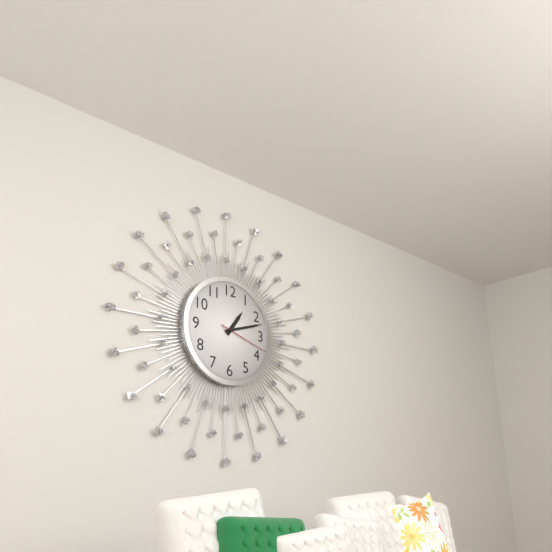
1:12:18
